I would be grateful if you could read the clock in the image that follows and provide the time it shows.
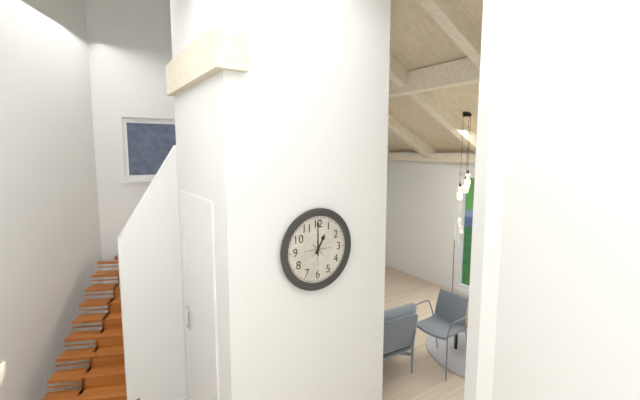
1:00
